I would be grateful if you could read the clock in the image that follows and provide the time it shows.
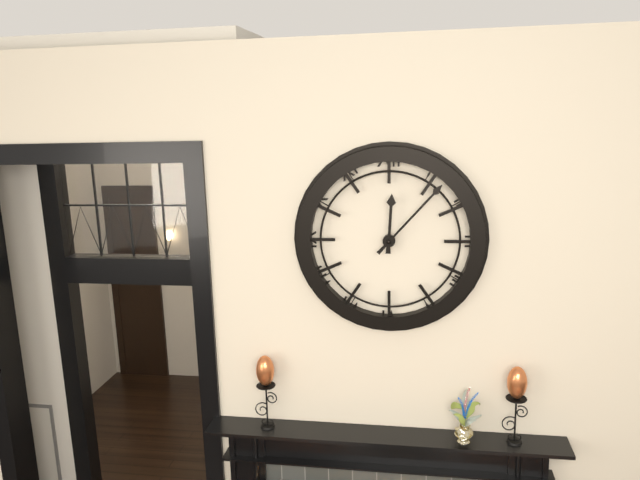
12:07
